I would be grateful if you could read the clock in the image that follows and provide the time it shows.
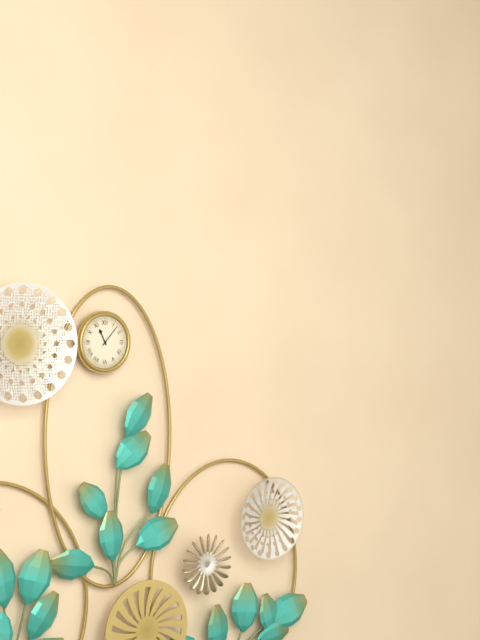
11:07
